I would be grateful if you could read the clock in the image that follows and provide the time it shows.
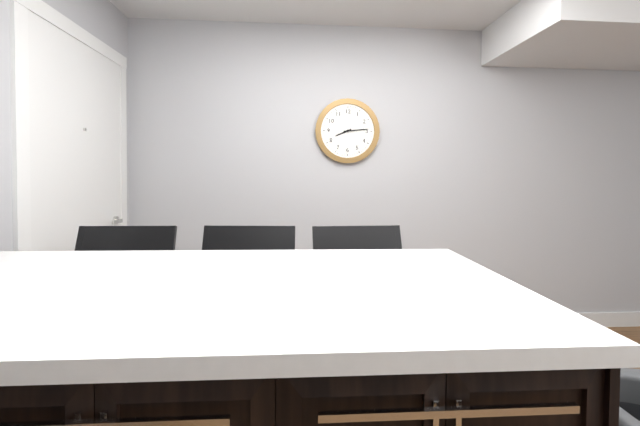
8:14
